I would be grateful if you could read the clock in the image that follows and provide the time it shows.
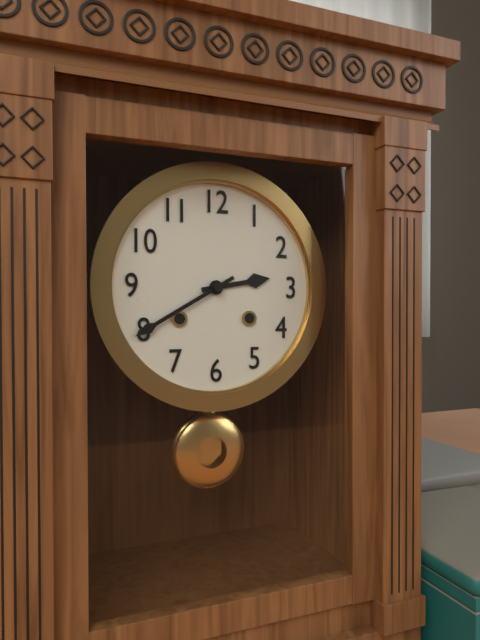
2:40
